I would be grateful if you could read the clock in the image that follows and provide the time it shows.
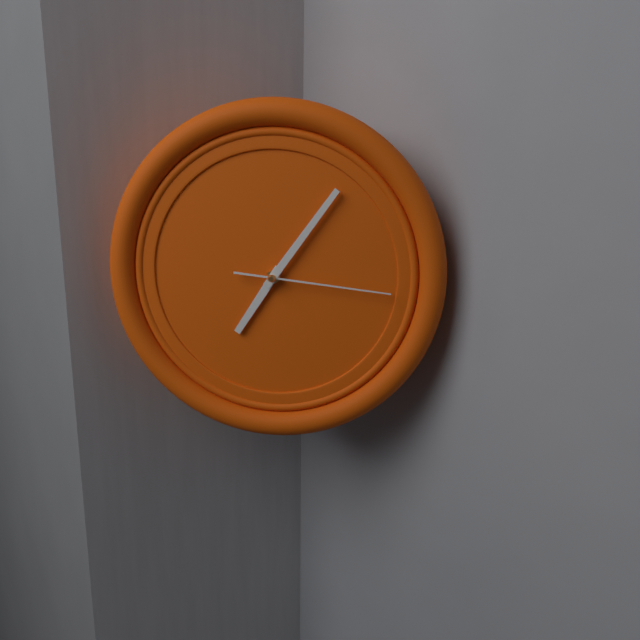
7:06:16
